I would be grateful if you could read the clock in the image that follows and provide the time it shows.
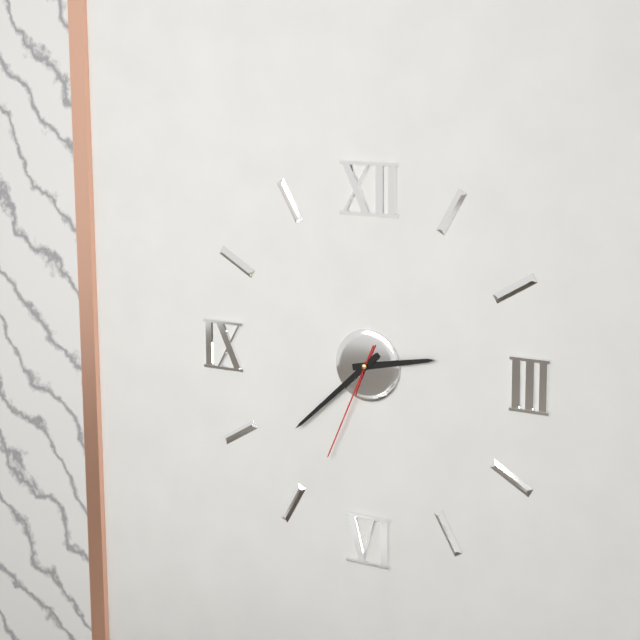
2:38:34
